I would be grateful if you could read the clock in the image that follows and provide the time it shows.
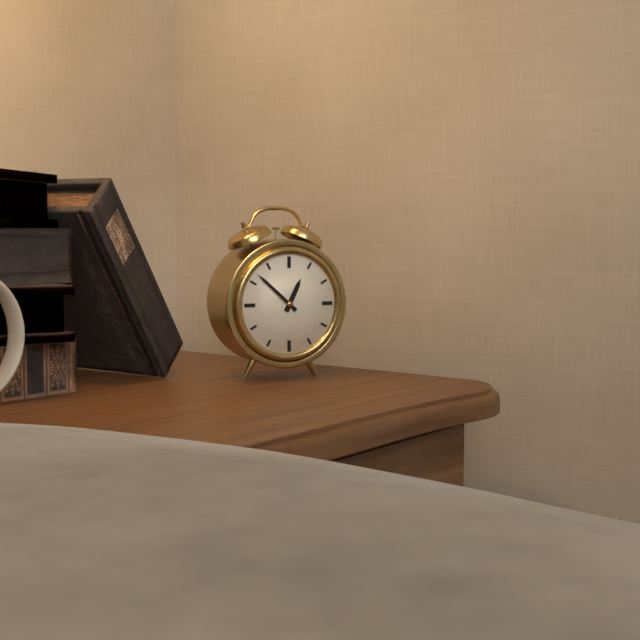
12:52
